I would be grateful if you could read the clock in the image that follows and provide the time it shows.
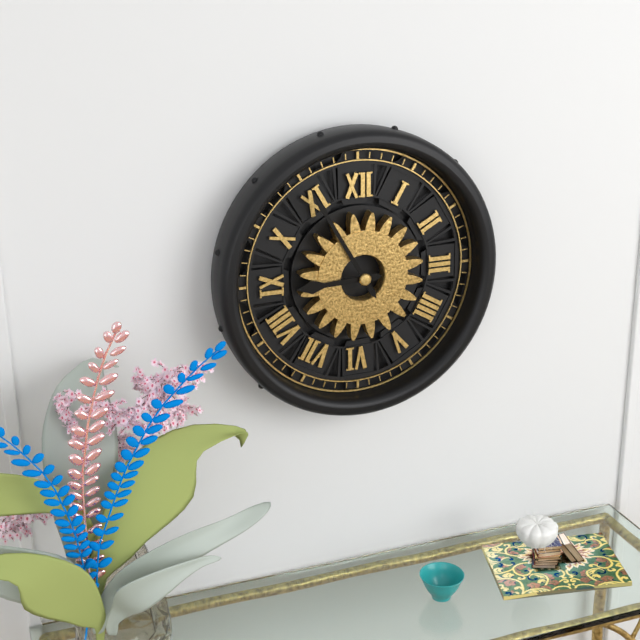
8:55
